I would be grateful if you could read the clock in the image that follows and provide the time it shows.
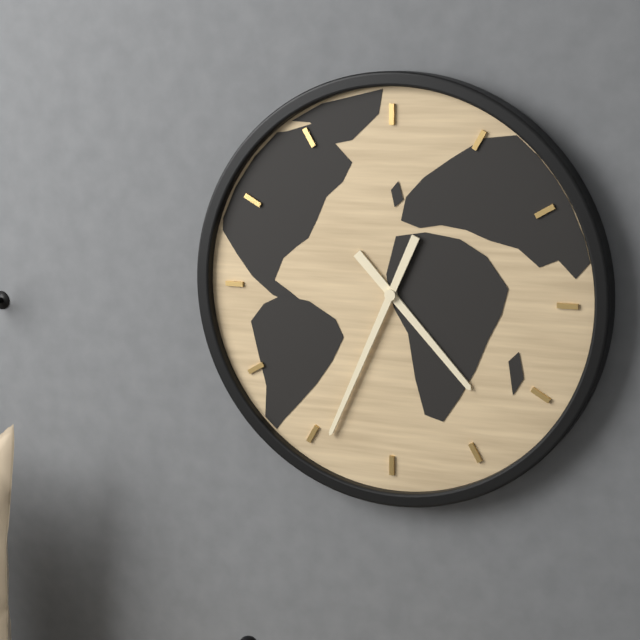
4:34
